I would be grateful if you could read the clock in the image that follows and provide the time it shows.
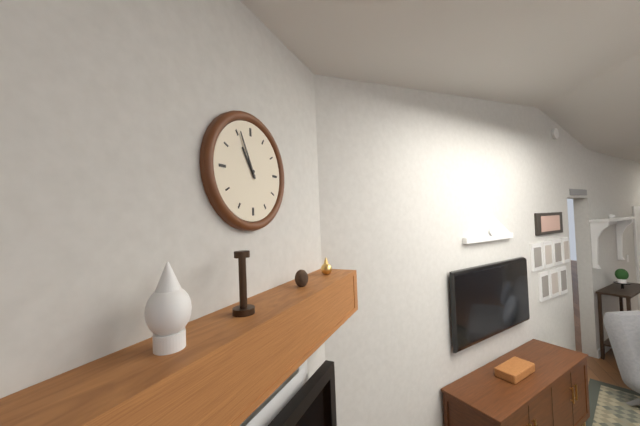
10:56
